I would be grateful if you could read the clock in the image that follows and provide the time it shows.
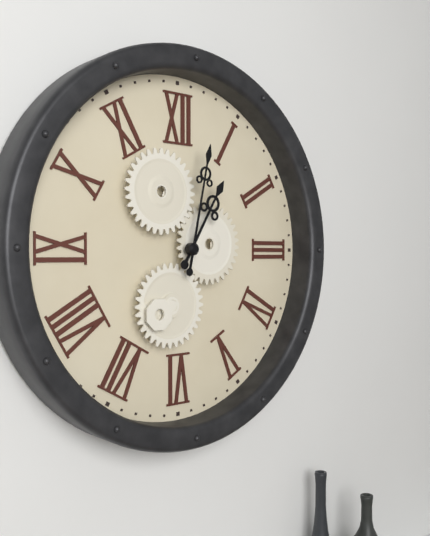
1:02
